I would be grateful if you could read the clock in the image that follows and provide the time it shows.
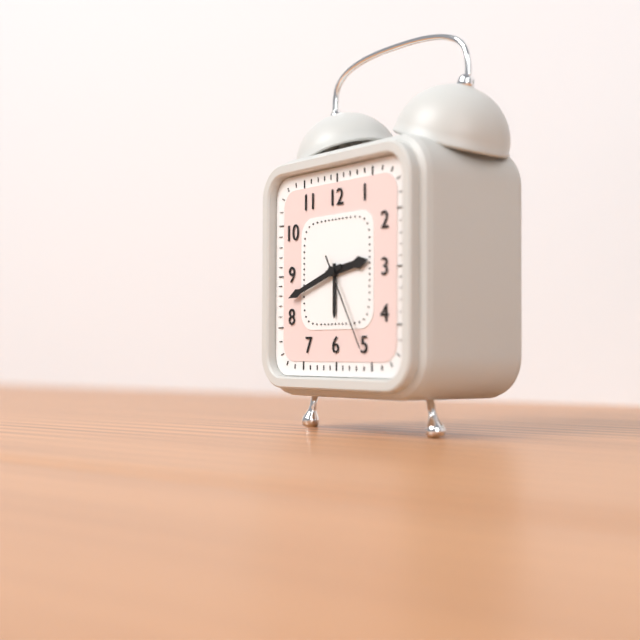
2:42:25
